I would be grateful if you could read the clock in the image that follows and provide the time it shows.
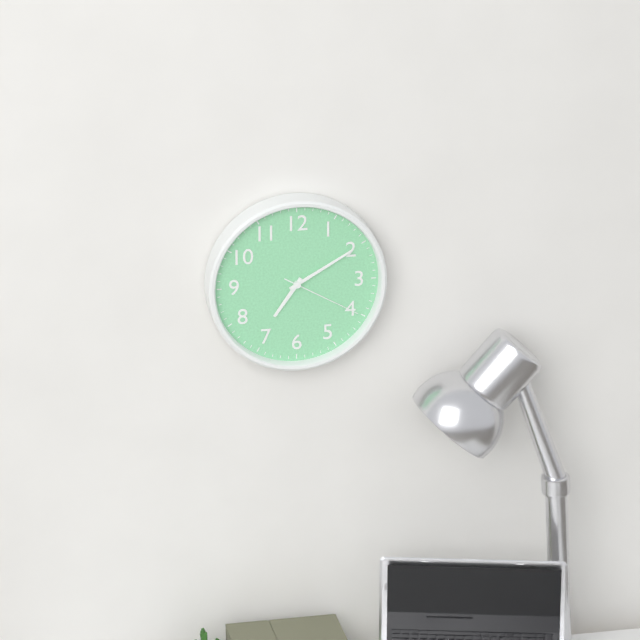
7:10:20
